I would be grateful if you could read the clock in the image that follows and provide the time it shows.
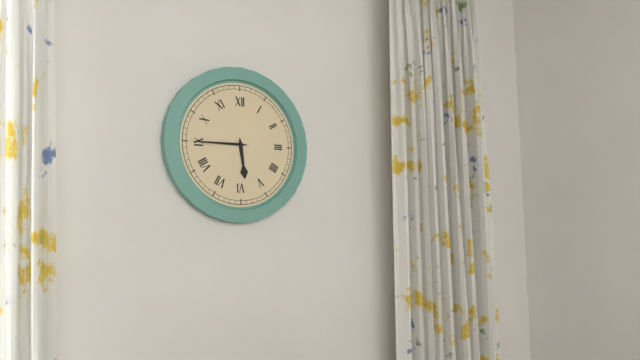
5:45
